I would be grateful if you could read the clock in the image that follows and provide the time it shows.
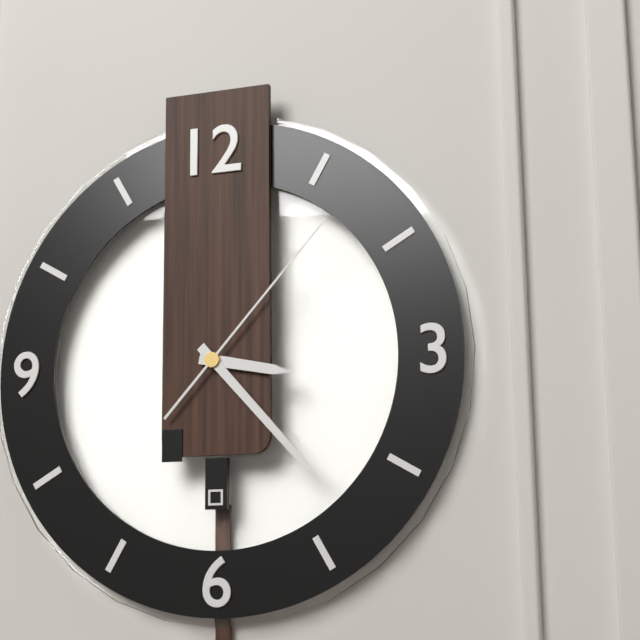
3:23:07
